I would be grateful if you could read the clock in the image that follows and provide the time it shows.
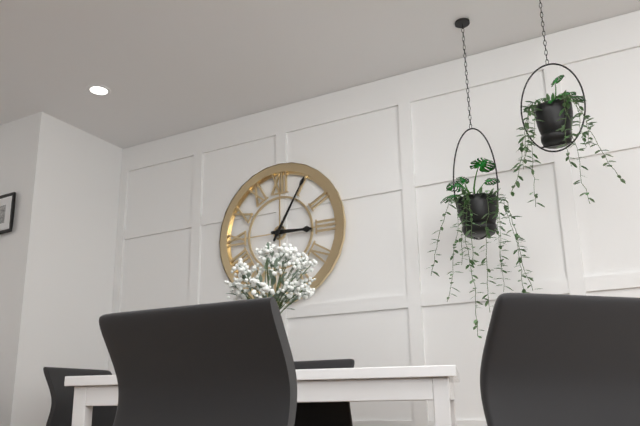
3:05
